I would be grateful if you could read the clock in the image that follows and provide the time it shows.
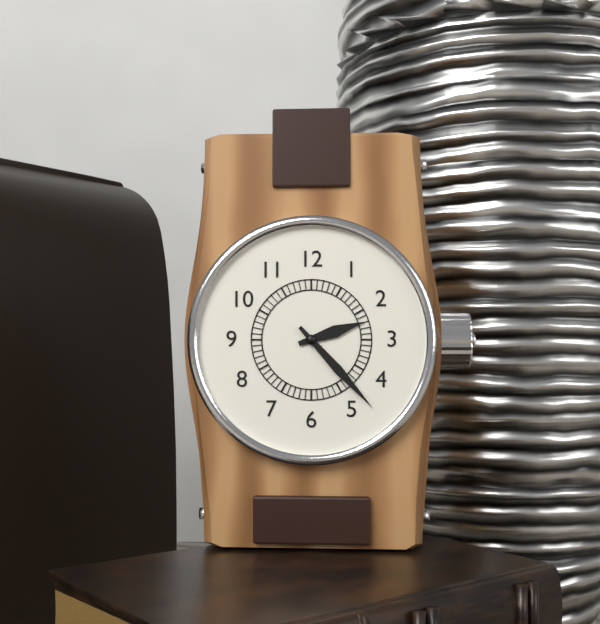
2:23
